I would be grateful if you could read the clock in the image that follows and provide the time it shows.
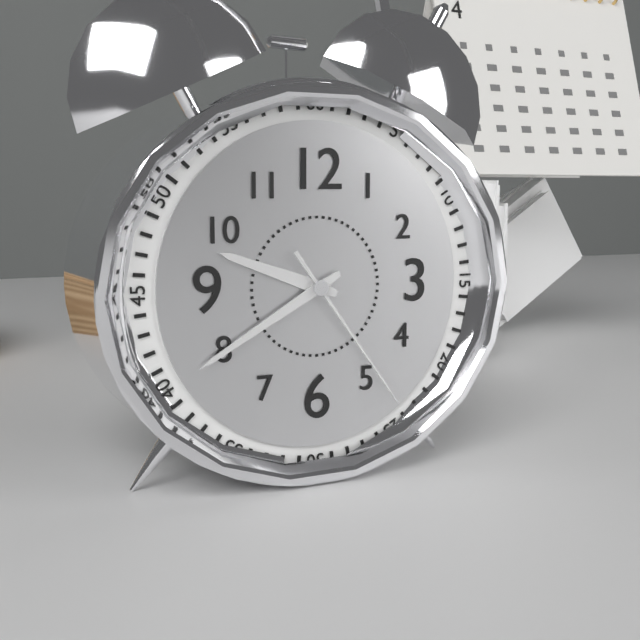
9:40:24
